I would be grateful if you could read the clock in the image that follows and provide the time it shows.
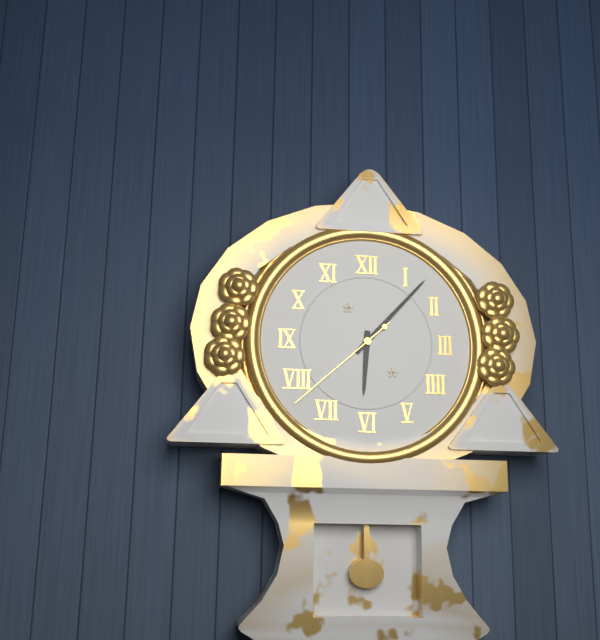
6:07:38
